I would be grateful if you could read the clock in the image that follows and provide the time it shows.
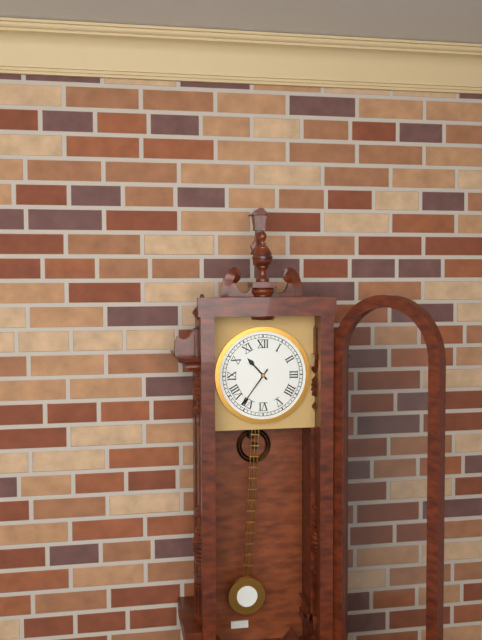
10:36
